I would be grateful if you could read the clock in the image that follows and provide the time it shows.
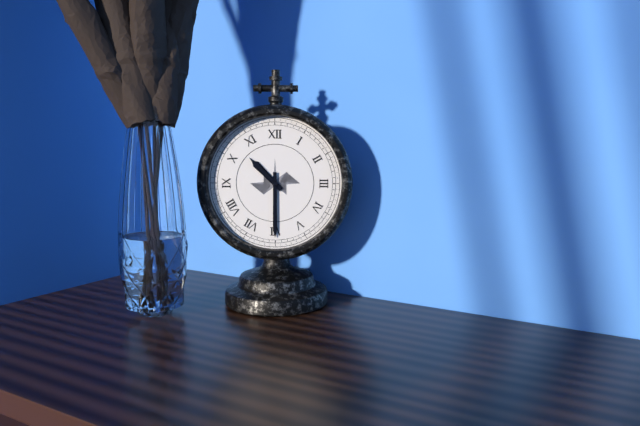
10:30
